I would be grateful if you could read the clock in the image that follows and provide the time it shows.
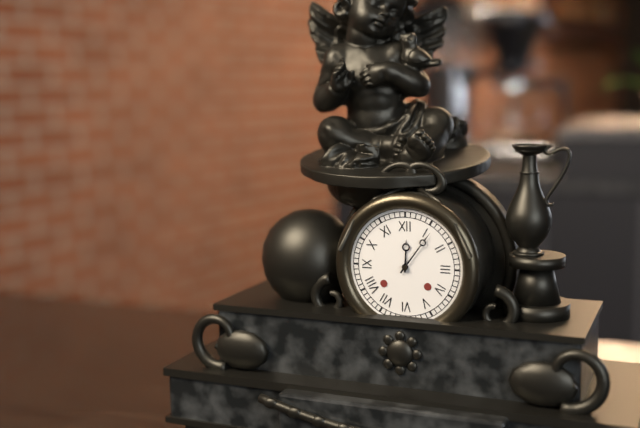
12:06
